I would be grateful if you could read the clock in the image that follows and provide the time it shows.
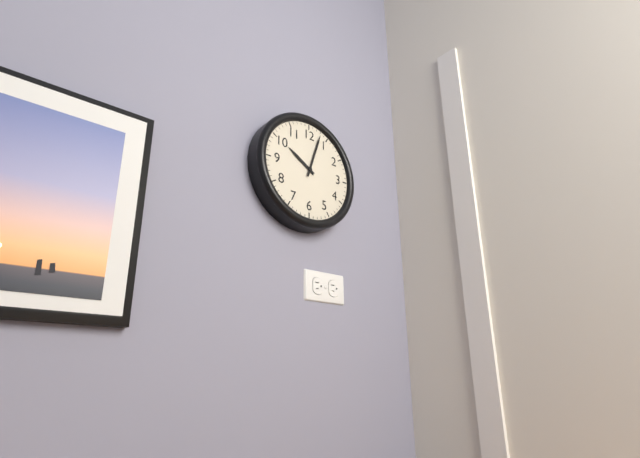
10:03
